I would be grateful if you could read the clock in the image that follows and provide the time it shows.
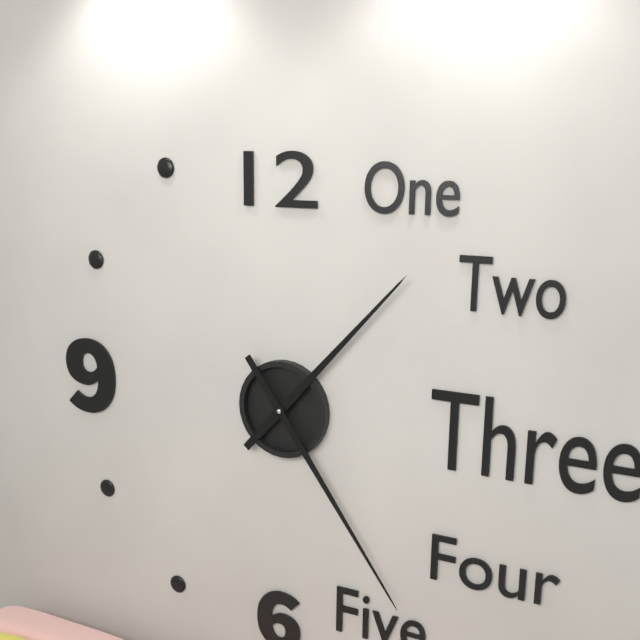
1:24
